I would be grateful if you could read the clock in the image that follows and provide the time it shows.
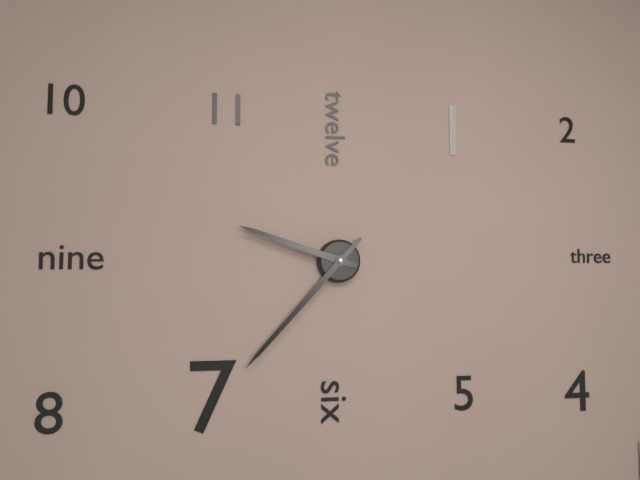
9:37
